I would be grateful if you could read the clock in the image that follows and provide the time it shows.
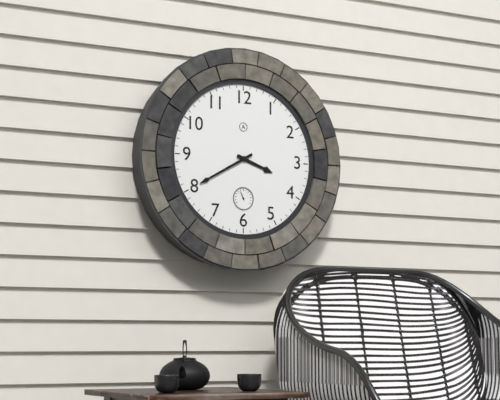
3:40
